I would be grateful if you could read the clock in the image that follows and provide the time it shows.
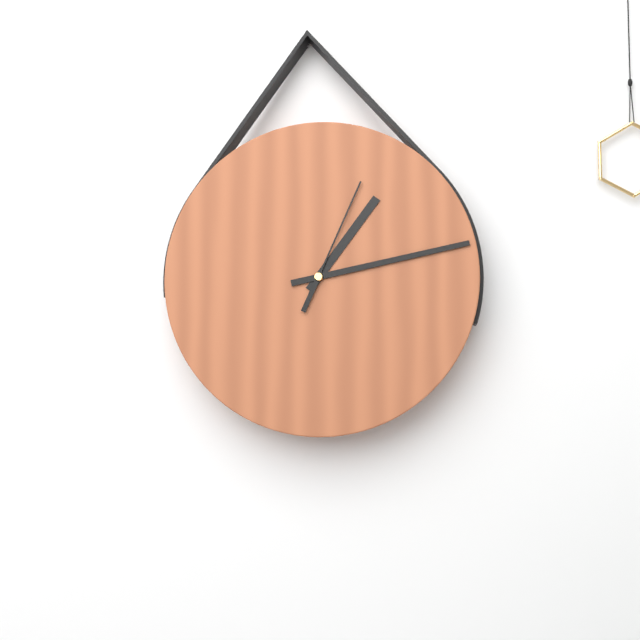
1:13:04
